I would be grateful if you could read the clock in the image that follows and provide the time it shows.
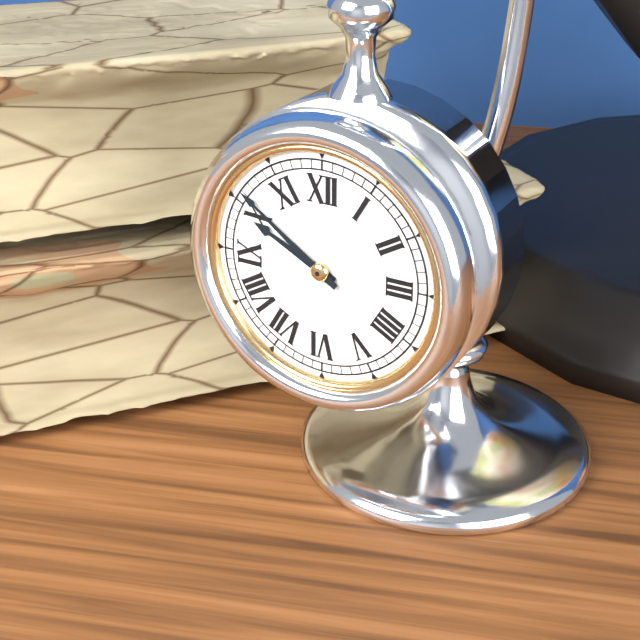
9:51
